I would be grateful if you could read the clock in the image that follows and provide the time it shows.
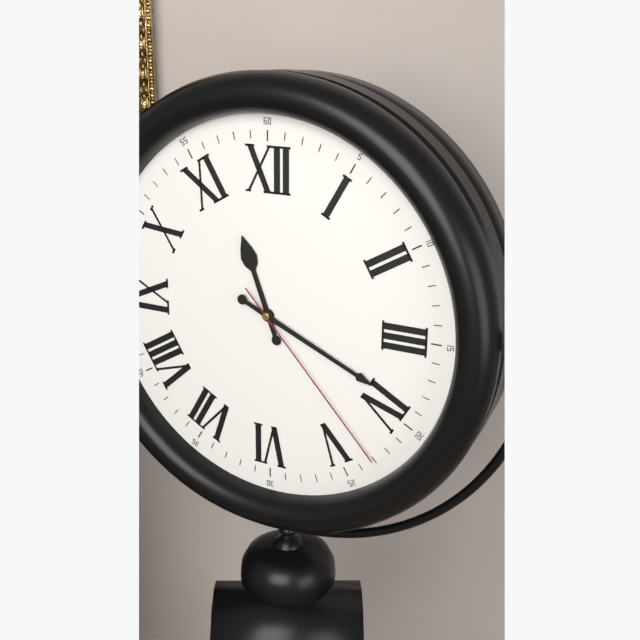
11:19:23
